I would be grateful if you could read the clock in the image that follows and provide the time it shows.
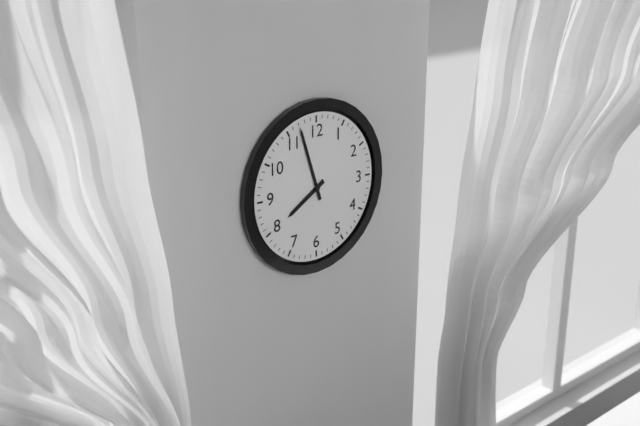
7:57
